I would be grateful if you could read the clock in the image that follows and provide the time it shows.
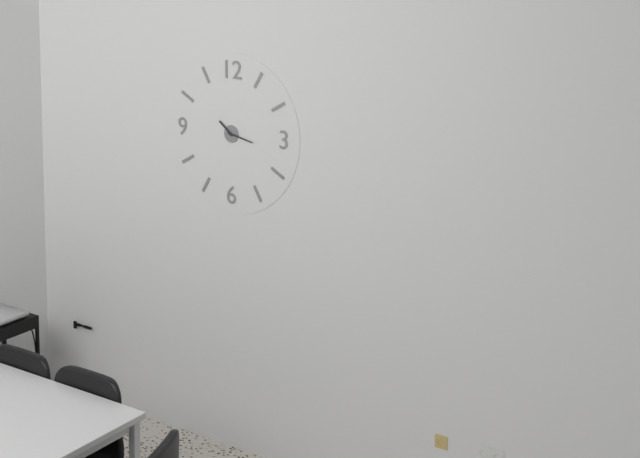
10:17
